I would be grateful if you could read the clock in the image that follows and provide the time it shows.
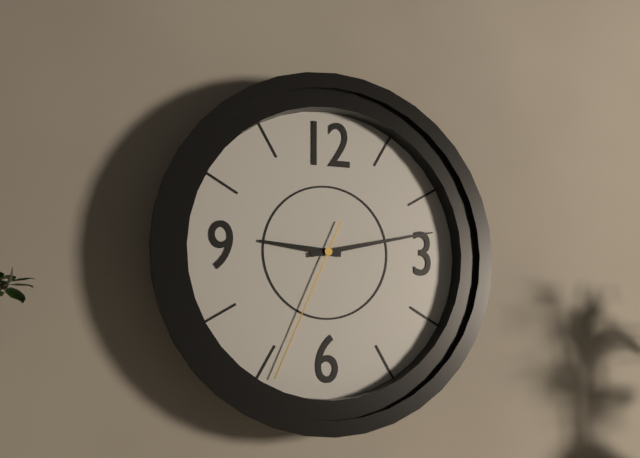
9:13:34
